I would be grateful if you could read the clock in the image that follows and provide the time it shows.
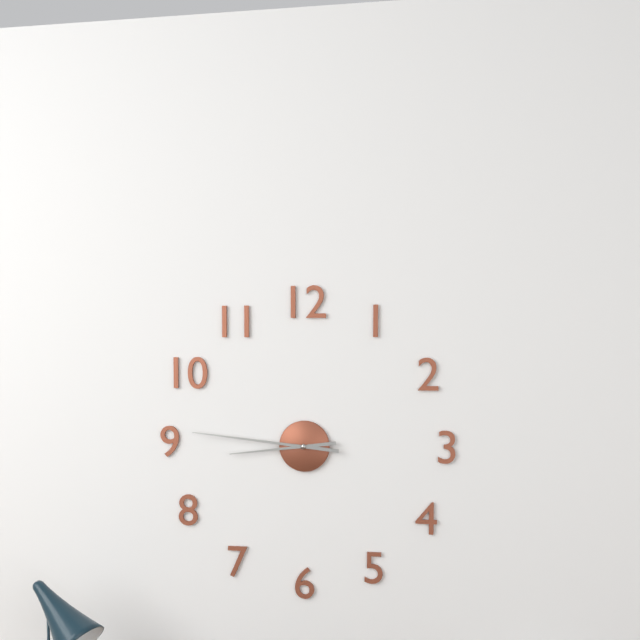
8:46
